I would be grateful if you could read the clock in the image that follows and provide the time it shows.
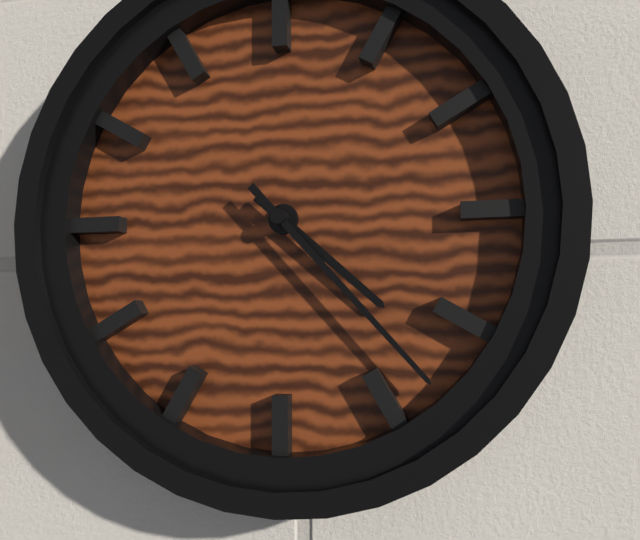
4:23
